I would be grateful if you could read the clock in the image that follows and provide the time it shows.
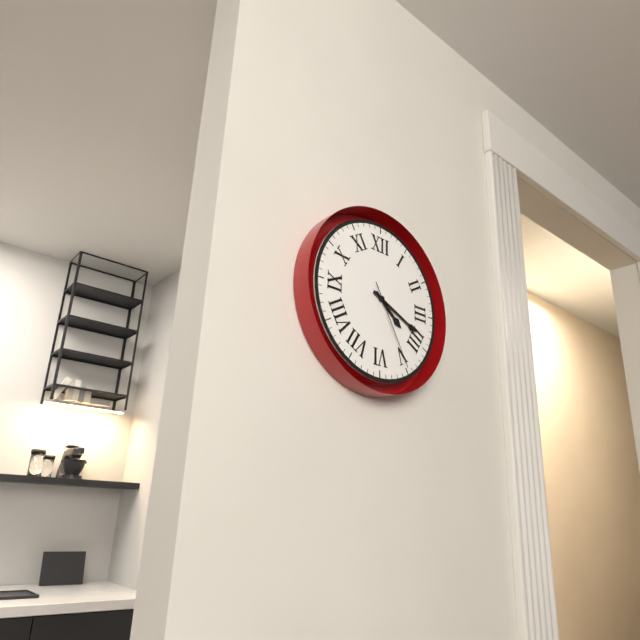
4:19:25
